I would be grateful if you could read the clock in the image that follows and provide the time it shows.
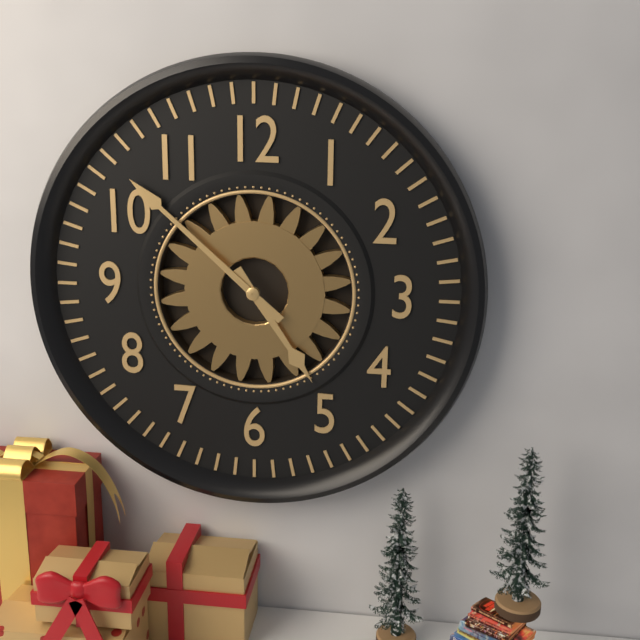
4:52
